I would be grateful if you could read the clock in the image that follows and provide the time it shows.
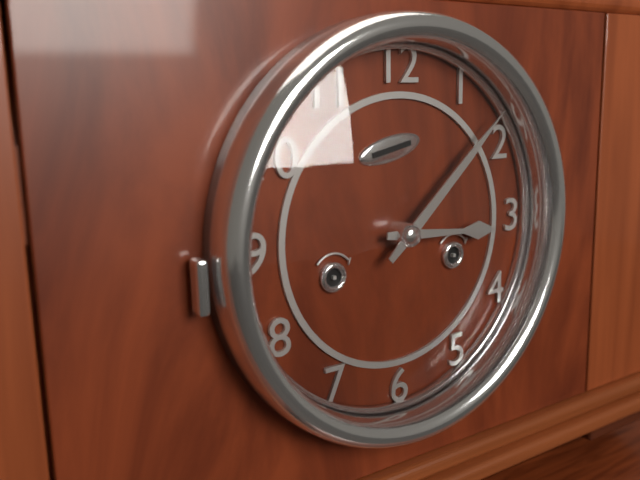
3:08
